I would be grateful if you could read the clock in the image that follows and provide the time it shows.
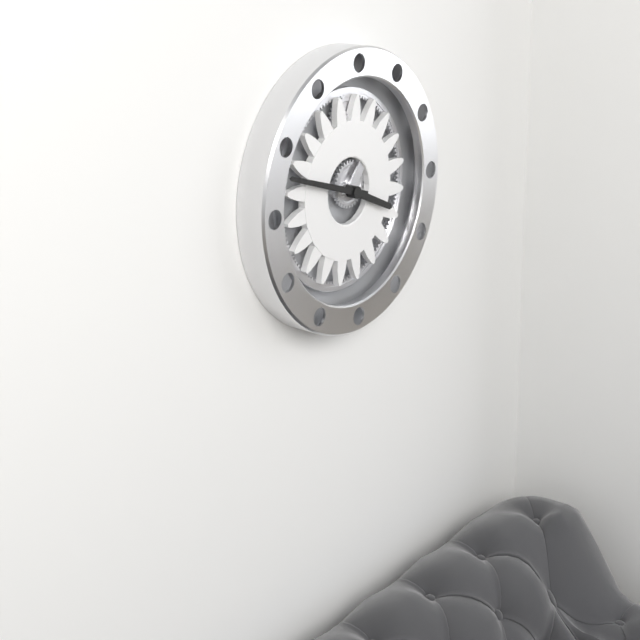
3:48
